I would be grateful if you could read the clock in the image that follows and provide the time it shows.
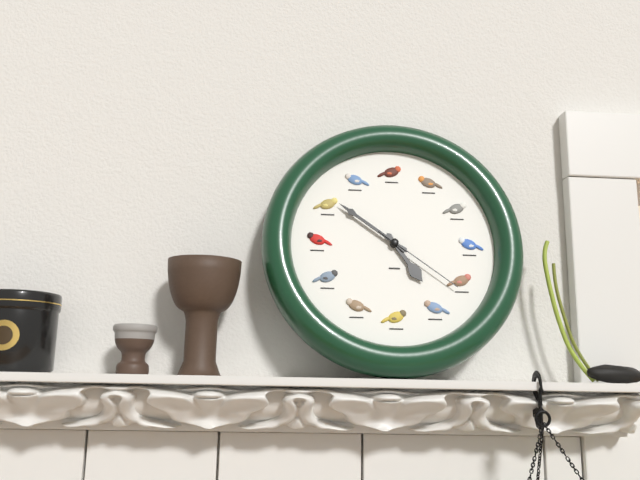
4:51:21
